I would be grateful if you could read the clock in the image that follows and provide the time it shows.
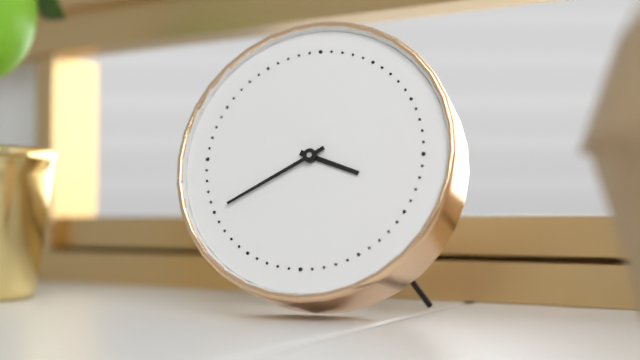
3:40
